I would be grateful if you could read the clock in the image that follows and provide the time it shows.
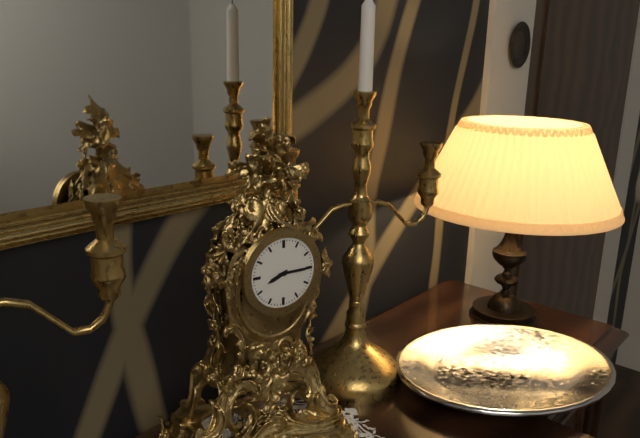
8:15
